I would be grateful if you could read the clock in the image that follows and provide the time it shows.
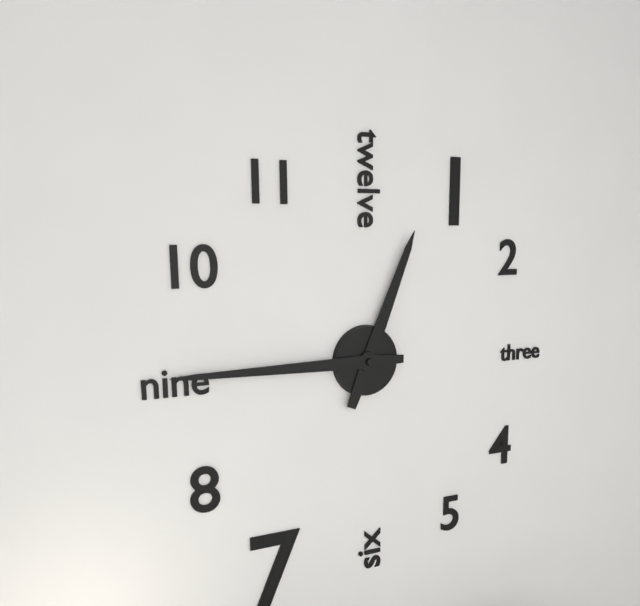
12:45
